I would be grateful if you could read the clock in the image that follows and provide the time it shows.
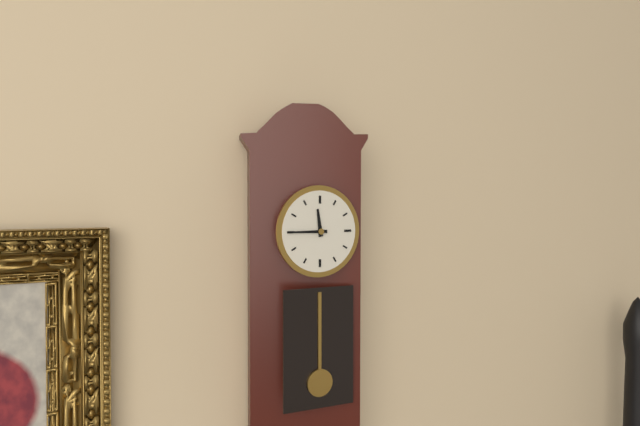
11:45
